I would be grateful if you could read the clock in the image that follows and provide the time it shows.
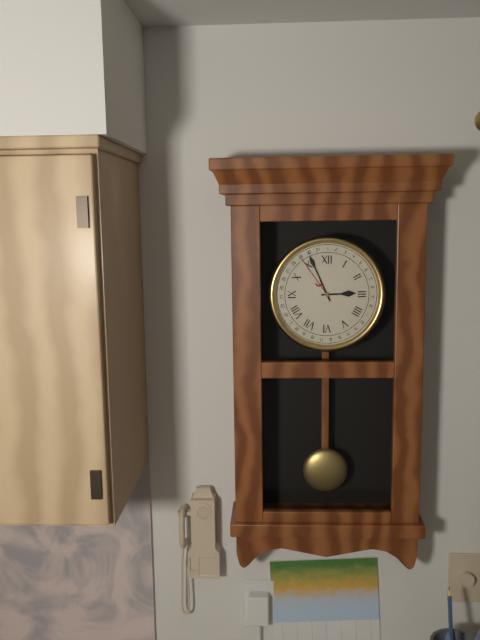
2:56
